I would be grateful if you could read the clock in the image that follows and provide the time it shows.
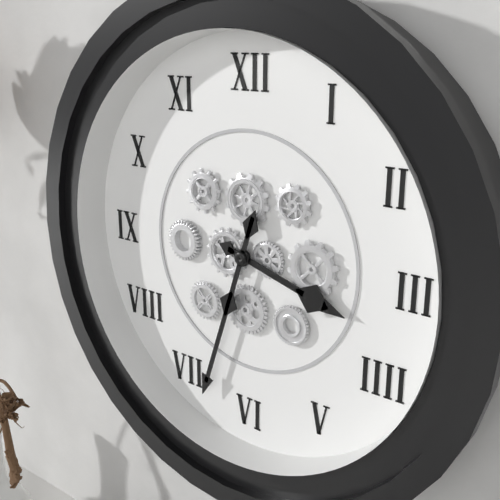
3:33
